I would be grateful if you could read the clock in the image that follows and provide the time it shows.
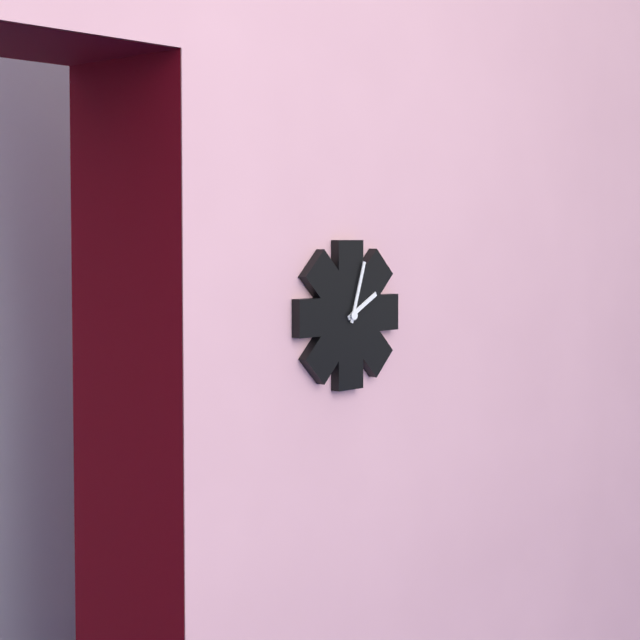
2:03
